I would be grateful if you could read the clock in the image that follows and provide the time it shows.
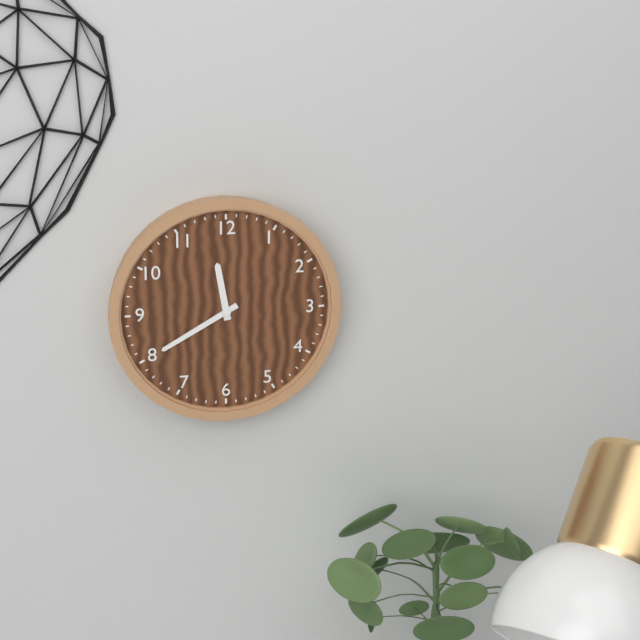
11:40
